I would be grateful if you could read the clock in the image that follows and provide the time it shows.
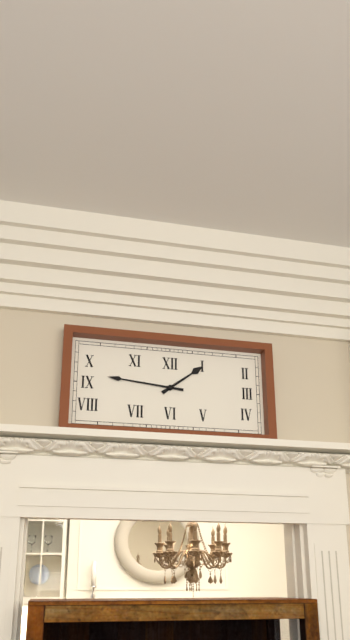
1:46
